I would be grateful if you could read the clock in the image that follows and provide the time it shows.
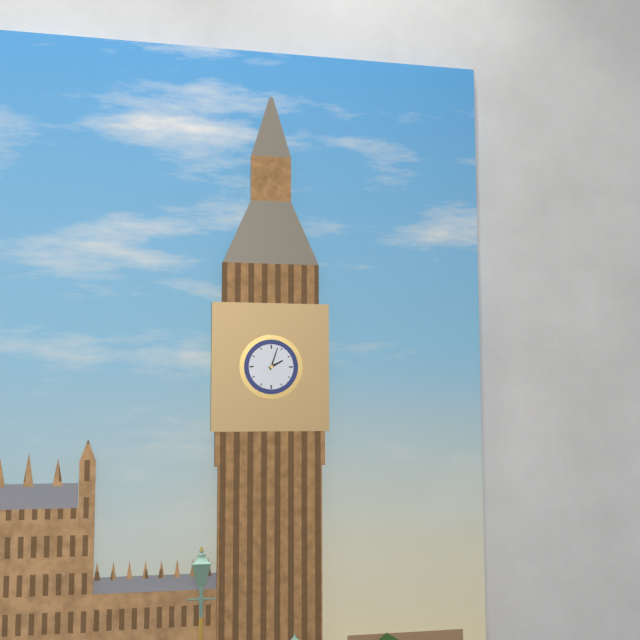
2:03
